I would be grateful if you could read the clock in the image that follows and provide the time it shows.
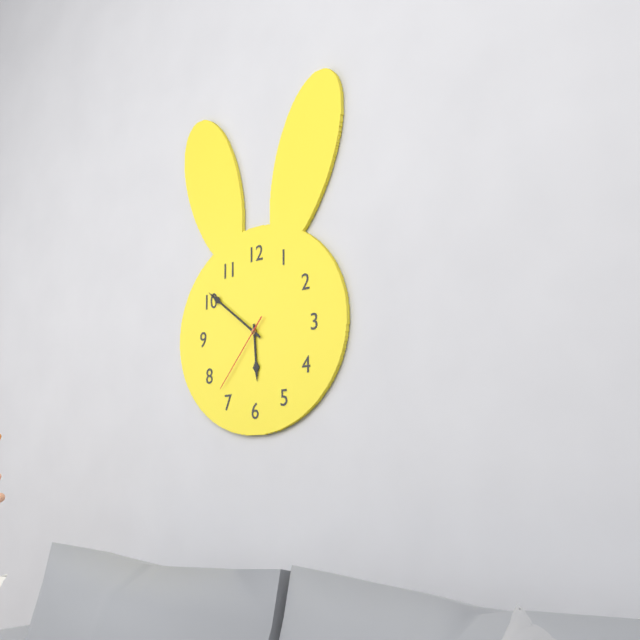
5:51:37
